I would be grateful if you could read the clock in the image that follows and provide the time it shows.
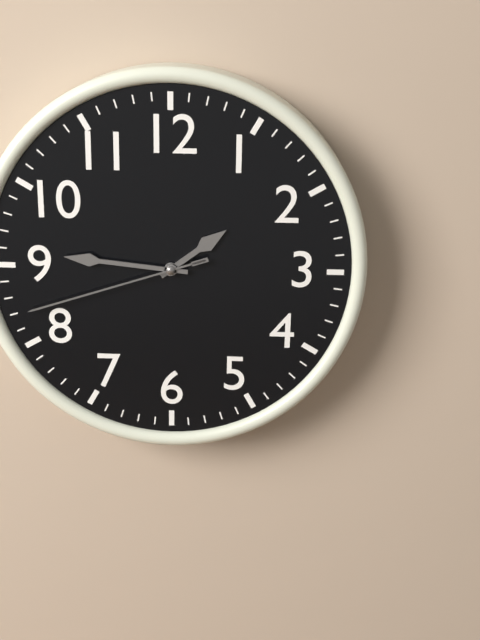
1:46:42
